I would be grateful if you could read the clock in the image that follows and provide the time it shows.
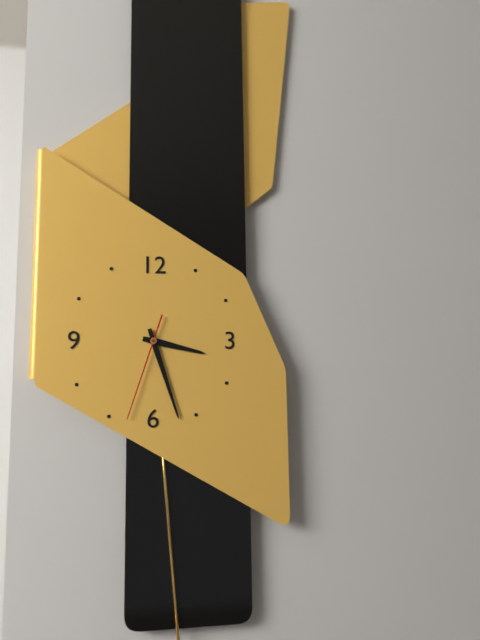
3:27:33
